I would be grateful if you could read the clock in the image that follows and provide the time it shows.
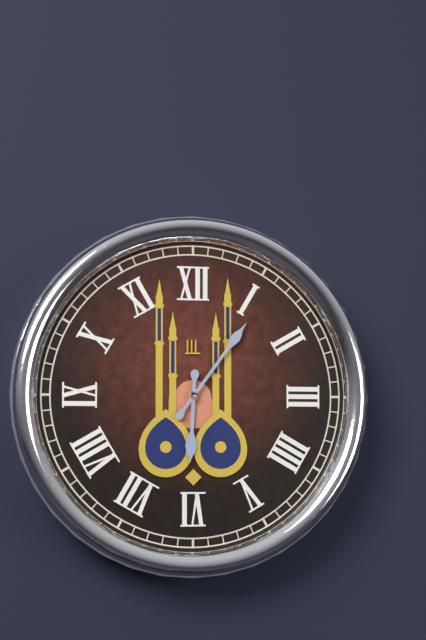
6:06
